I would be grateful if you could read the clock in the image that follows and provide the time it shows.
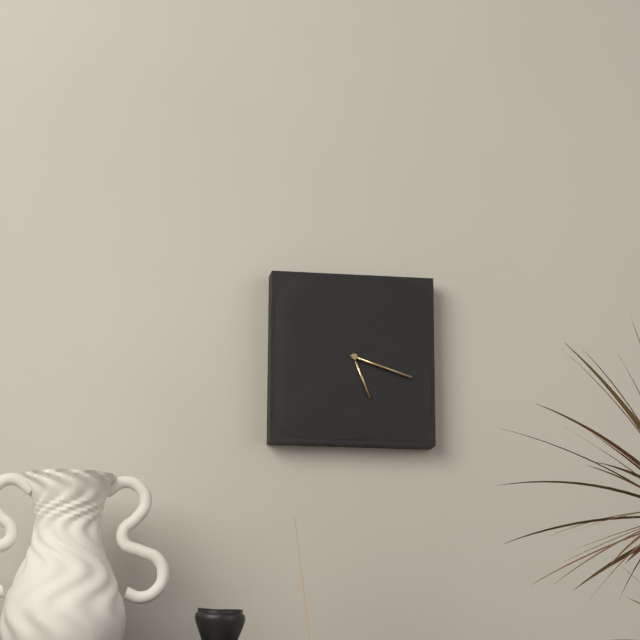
5:18
